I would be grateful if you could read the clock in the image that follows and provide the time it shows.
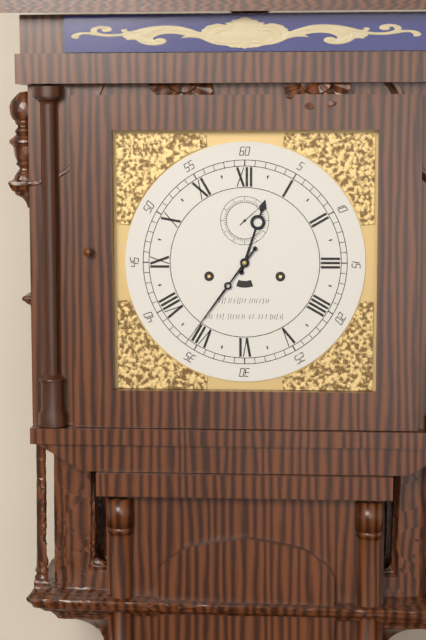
12:36
